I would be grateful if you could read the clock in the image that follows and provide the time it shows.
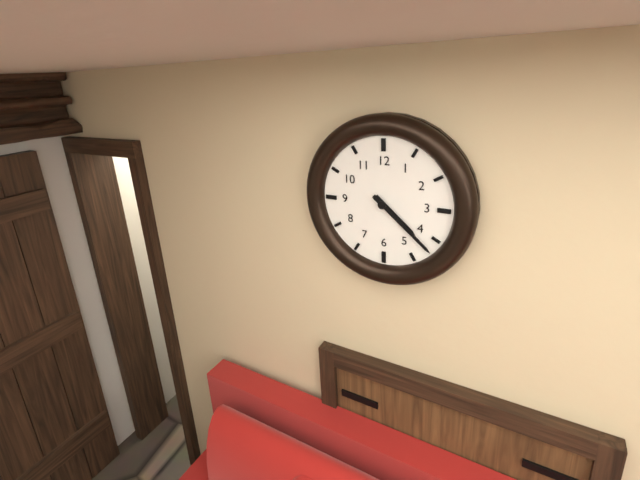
4:22
